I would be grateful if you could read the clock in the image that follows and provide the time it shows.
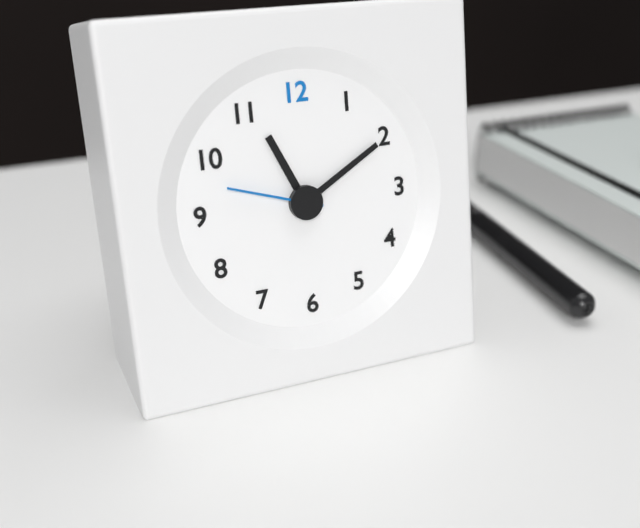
11:10:48
